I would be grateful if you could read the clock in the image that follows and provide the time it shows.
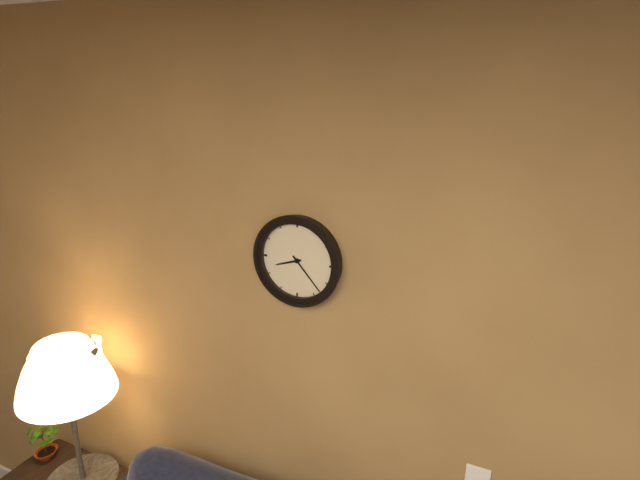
8:23
